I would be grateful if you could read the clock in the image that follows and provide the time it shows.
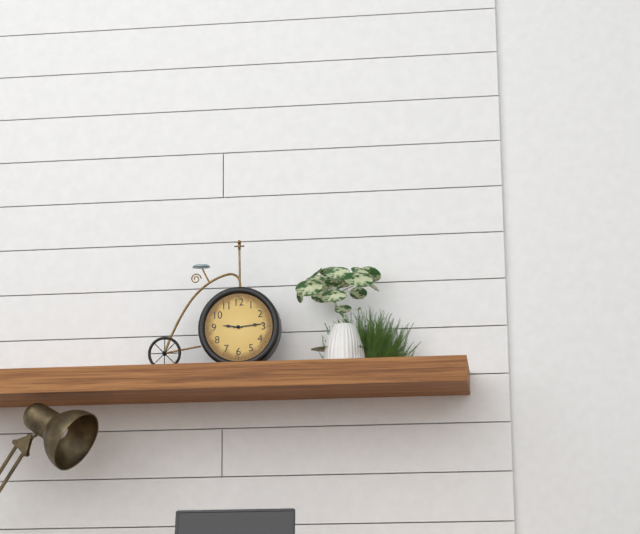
9:14
